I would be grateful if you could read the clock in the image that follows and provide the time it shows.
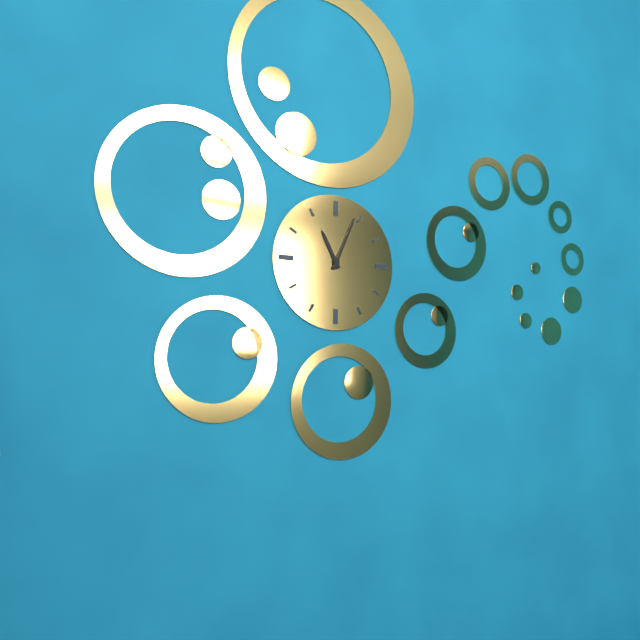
11:04
